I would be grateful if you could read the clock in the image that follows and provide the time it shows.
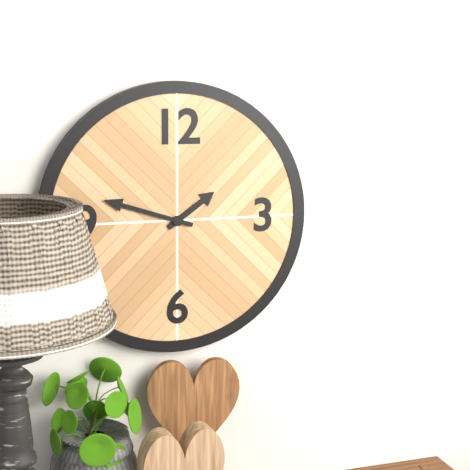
1:48
